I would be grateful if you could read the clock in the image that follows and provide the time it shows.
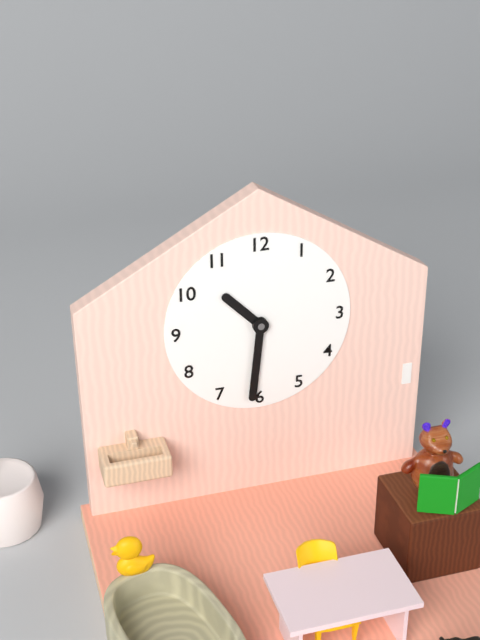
10:31
